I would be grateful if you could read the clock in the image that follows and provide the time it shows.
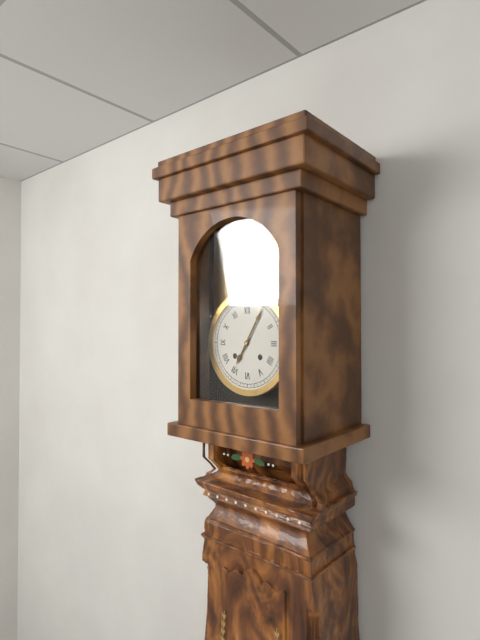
7:05
